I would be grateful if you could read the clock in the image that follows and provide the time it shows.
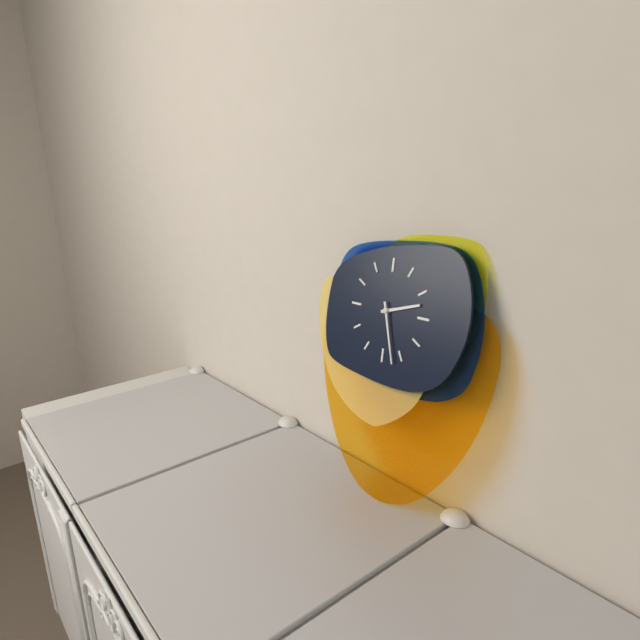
2:27
